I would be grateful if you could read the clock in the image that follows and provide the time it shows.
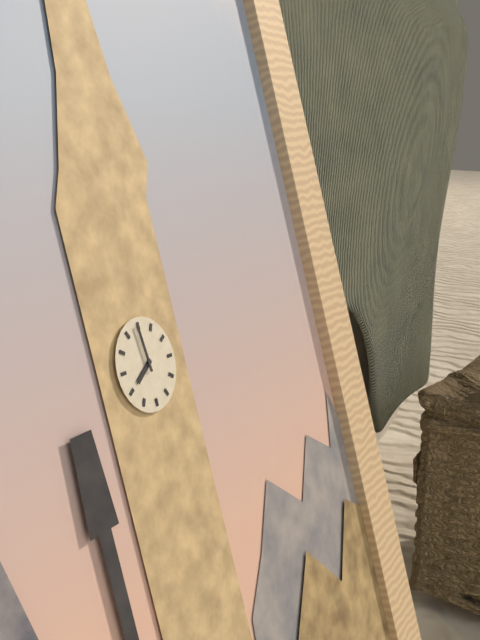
7:59
